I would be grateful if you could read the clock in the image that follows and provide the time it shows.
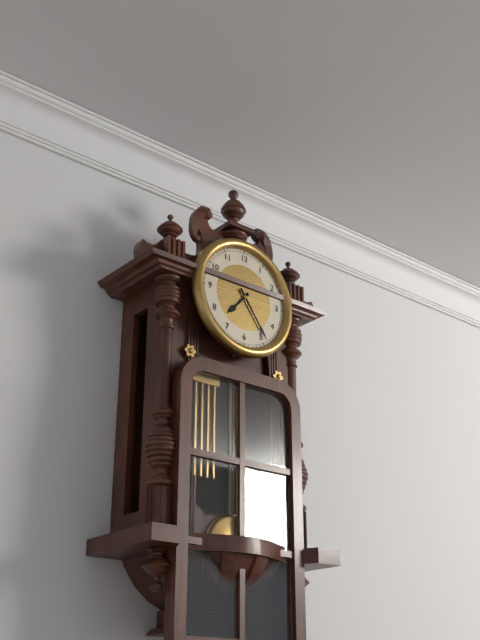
7:24
